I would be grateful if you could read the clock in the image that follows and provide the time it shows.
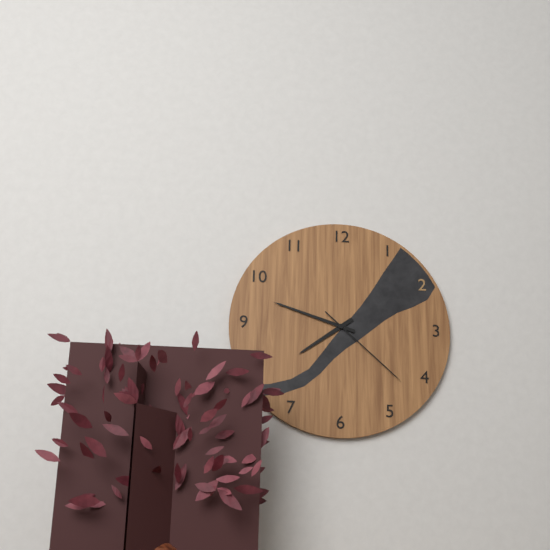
7:48:22
